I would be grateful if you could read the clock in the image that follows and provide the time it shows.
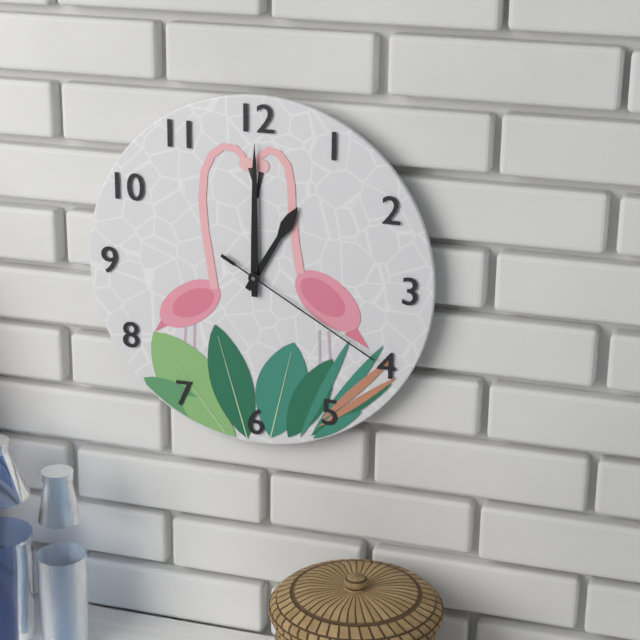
1:00:20
